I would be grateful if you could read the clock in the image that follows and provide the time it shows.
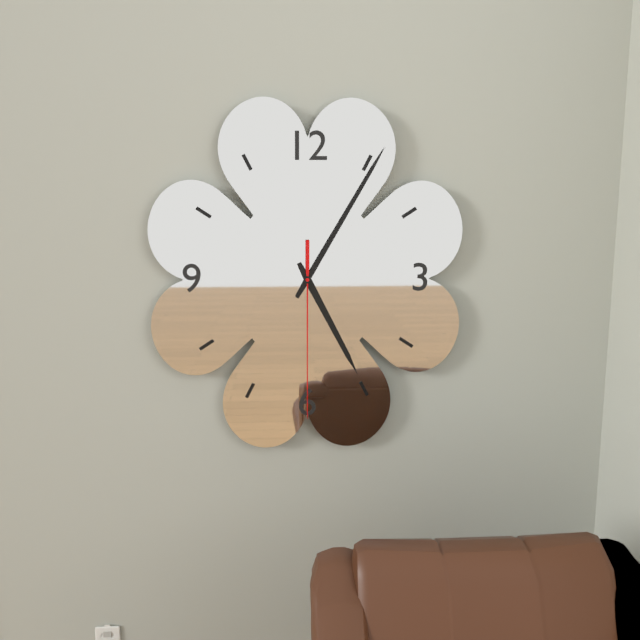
5:05:30
